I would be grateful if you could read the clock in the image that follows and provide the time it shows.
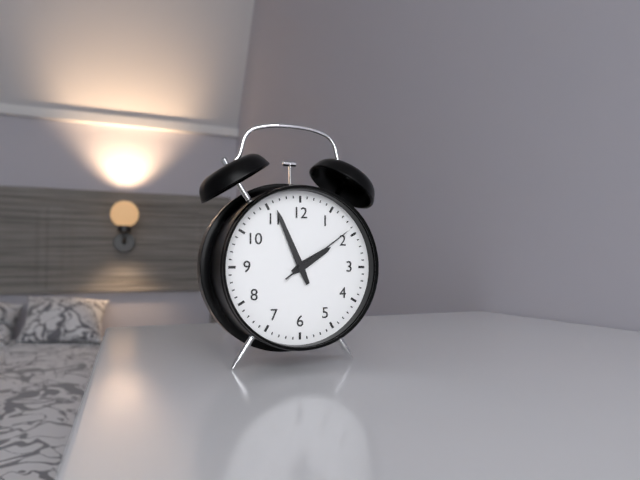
1:56:09
